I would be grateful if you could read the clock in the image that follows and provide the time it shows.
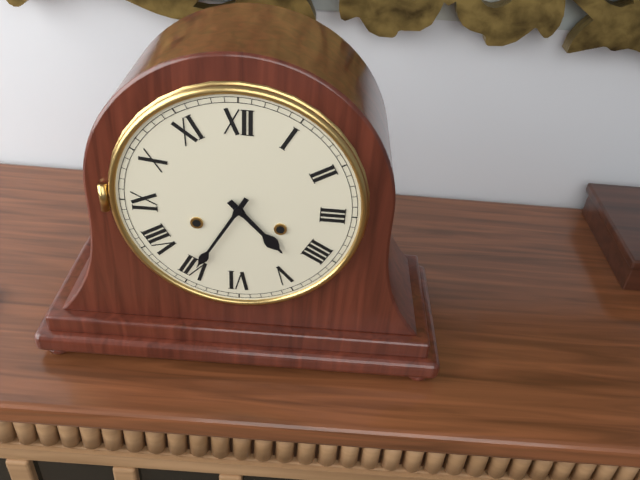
4:35
